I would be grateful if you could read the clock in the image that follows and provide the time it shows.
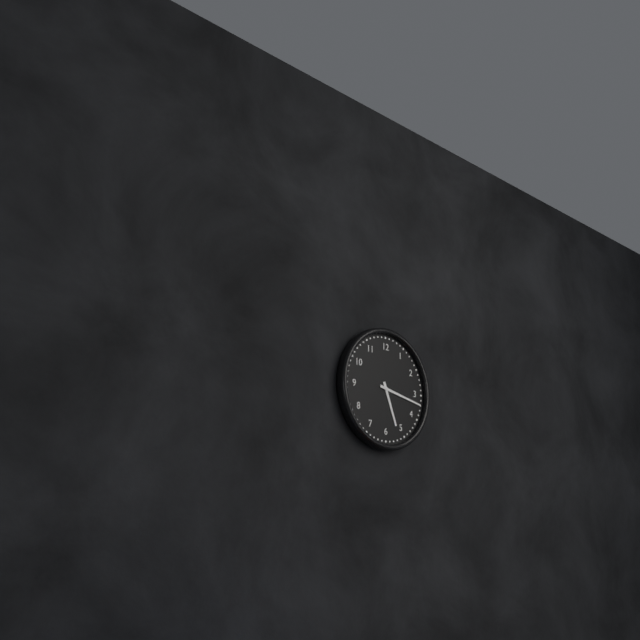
5:17
